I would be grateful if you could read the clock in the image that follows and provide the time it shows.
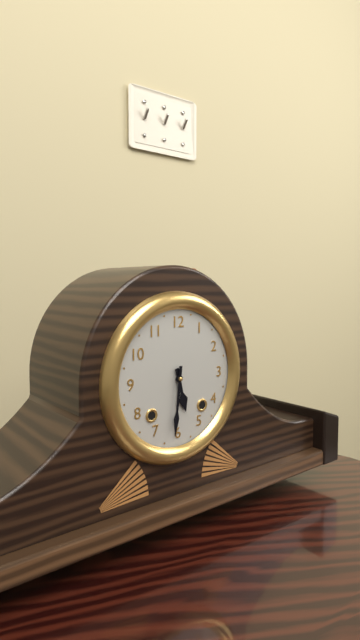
5:31
